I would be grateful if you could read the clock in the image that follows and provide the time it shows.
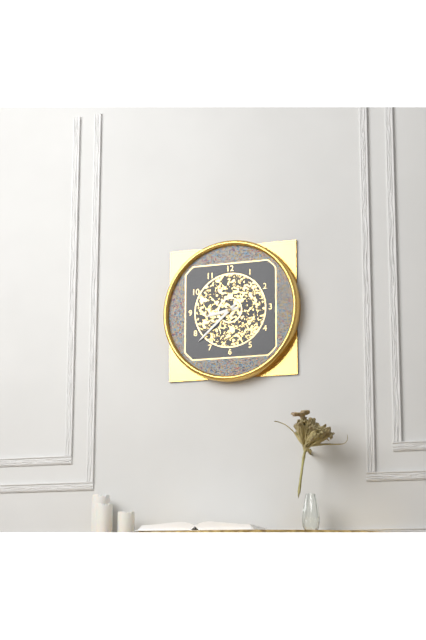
8:38
